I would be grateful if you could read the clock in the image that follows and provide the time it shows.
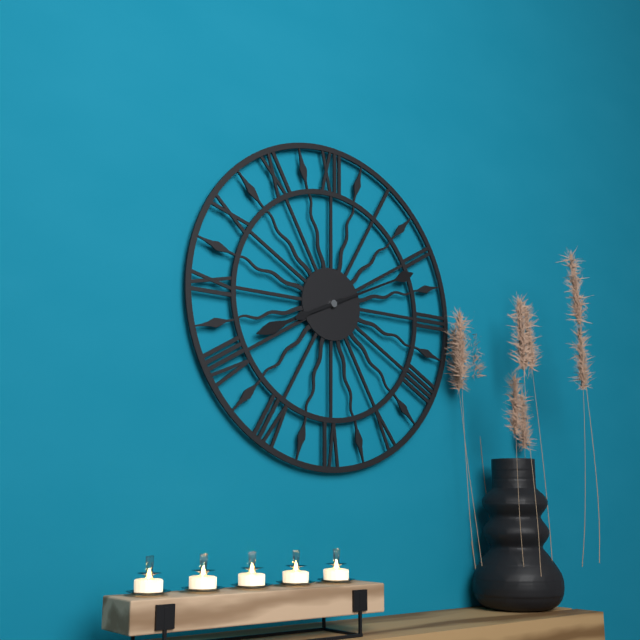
8:11
